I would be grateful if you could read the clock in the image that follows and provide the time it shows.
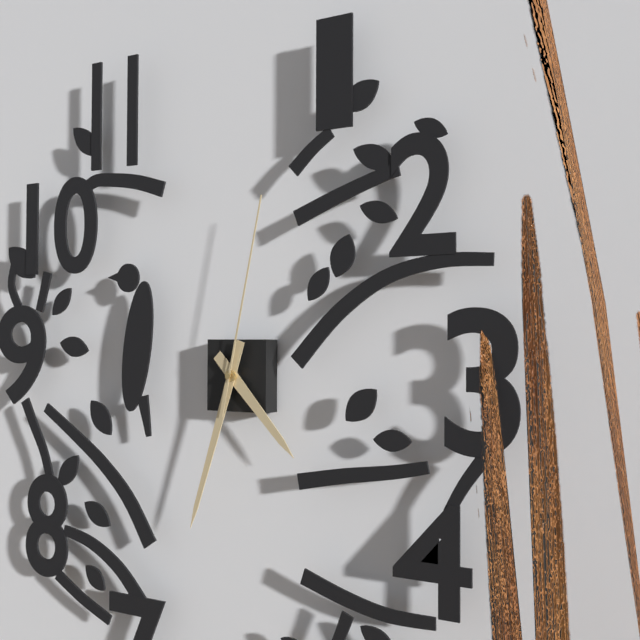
4:33:02
